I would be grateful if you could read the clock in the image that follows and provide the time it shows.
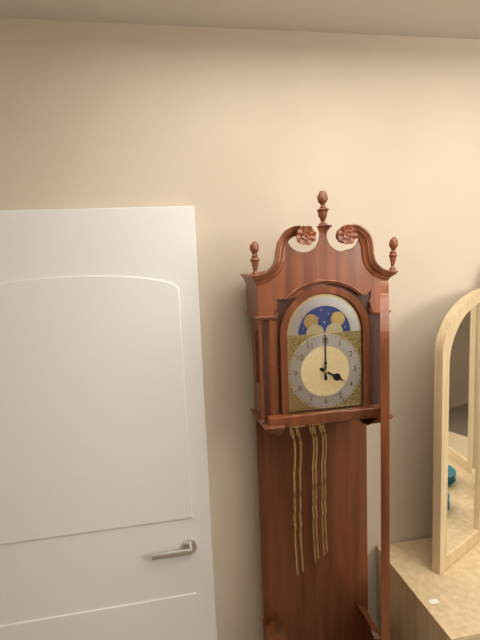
4:00
